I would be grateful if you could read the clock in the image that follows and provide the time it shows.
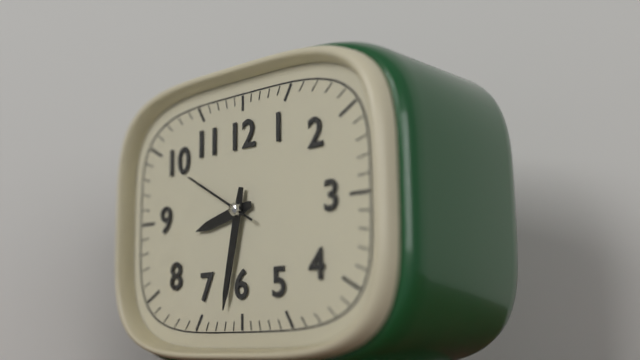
8:32:50
